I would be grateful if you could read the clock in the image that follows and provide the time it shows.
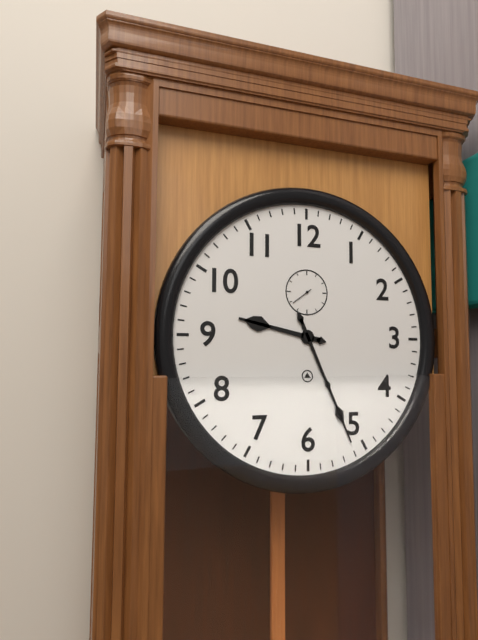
9:26
